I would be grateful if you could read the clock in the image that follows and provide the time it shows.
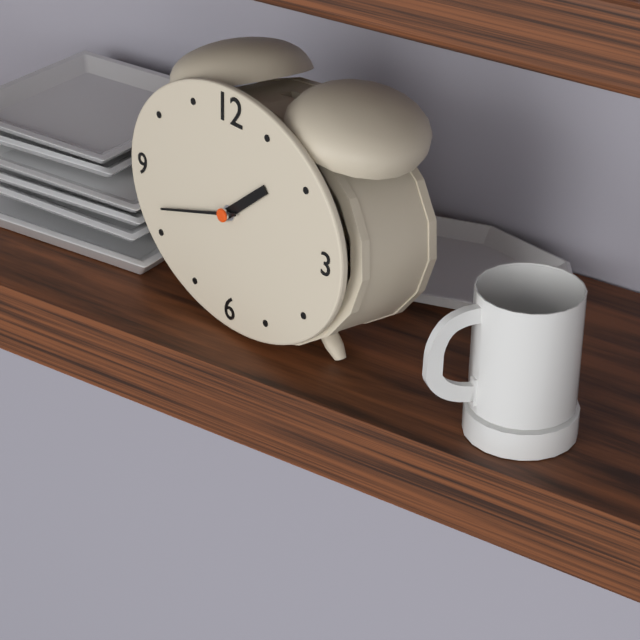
1:42
